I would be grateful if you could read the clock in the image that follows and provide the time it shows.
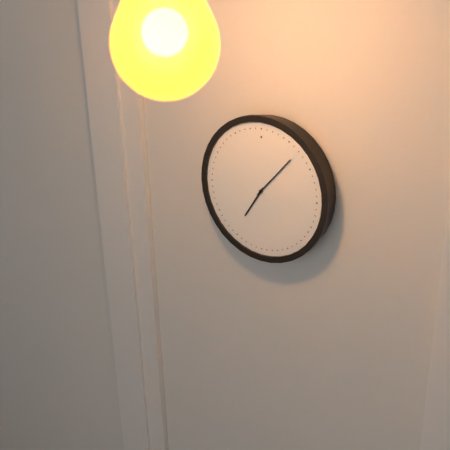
7:07
